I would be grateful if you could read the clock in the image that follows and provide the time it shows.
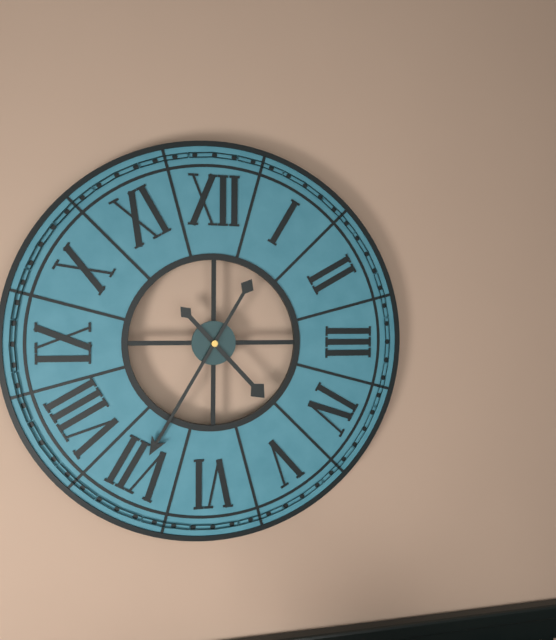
4:35
